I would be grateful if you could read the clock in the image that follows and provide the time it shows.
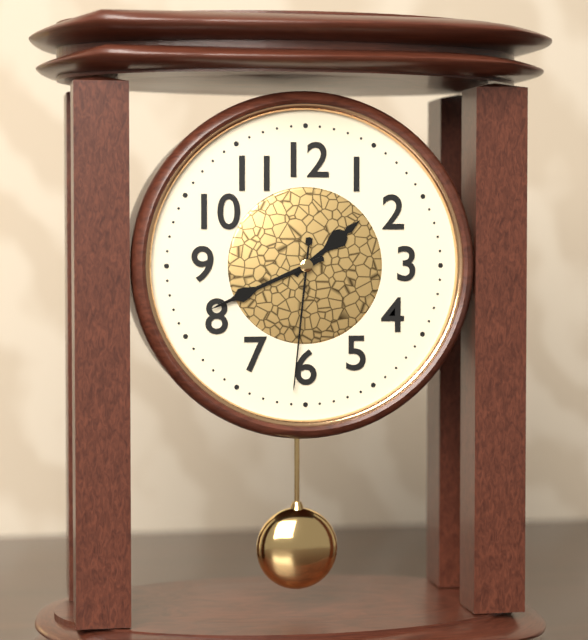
1:41:31
